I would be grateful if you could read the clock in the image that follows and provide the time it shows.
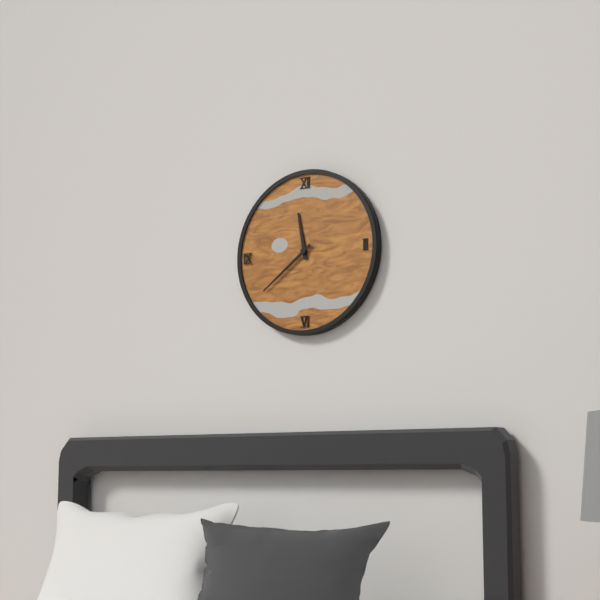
11:39
